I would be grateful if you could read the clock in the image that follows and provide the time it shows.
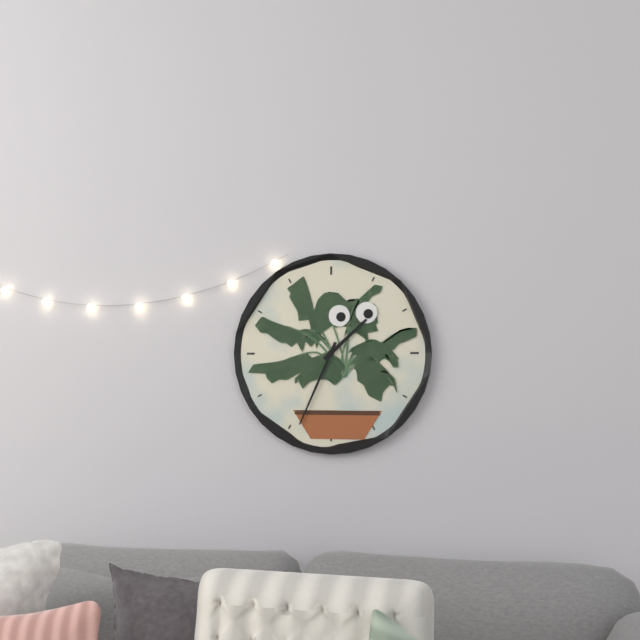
1:34
